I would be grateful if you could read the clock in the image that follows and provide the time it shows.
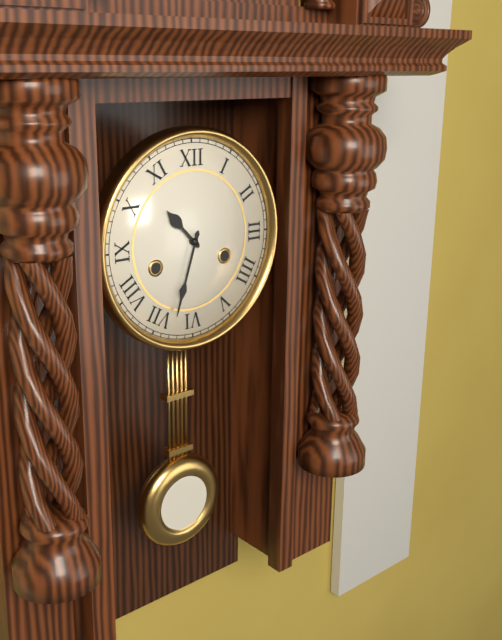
10:33
